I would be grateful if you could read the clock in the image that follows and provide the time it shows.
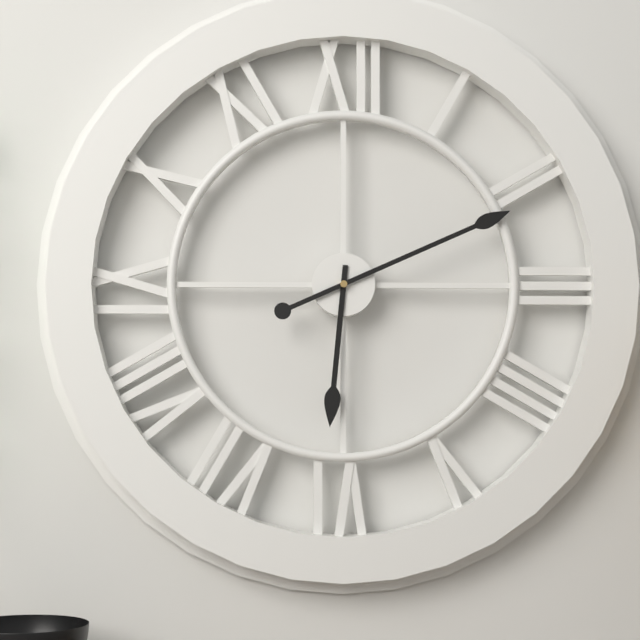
6:11
